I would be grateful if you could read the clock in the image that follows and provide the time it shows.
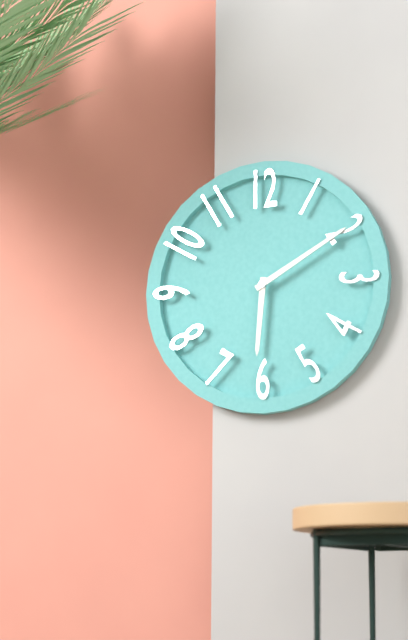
6:10
